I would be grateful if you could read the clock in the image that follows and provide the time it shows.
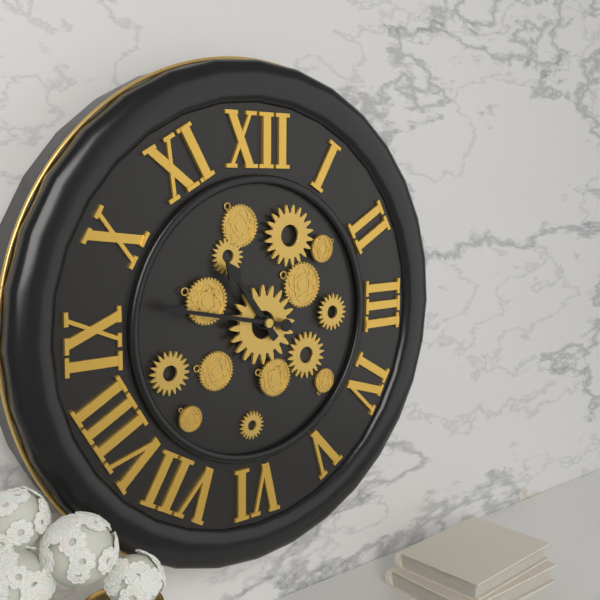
10:47
